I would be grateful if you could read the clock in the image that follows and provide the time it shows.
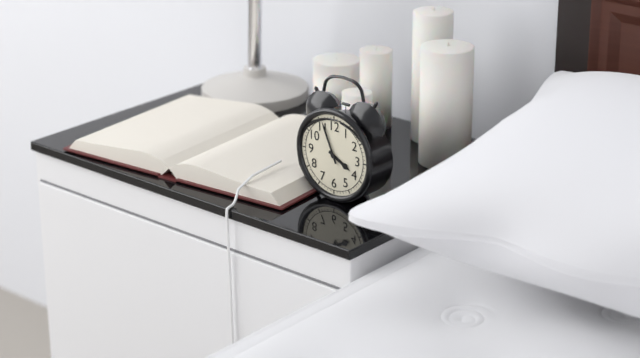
3:56
